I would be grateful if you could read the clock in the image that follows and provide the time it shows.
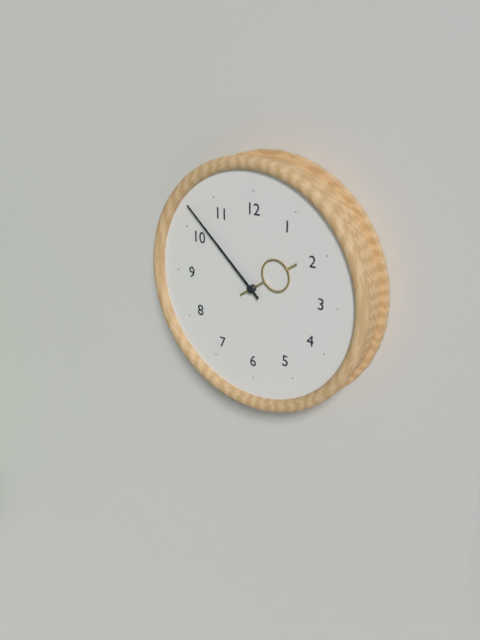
1:52
